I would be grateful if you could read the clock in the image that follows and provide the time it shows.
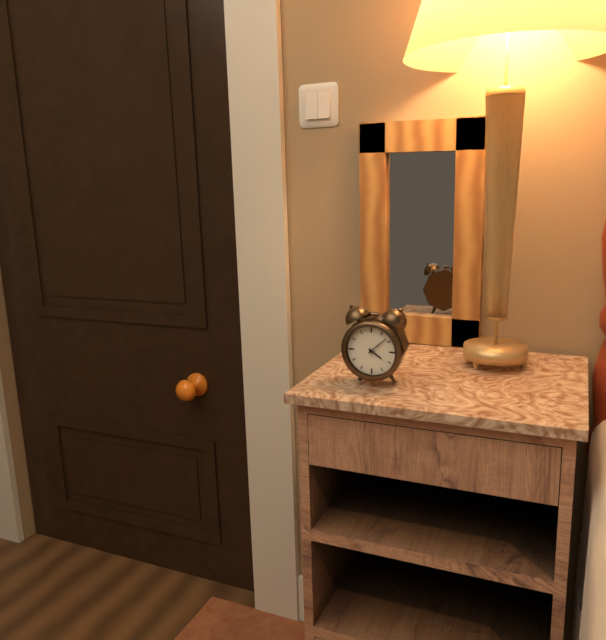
4:08
